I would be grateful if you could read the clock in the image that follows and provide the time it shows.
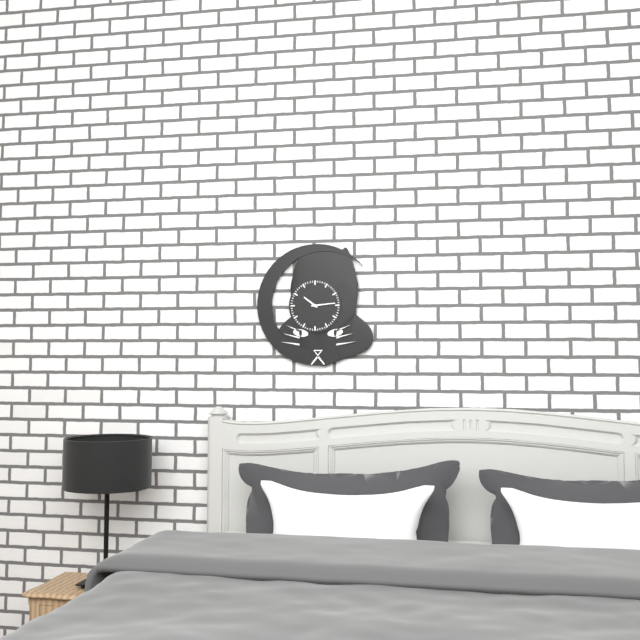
10:14
